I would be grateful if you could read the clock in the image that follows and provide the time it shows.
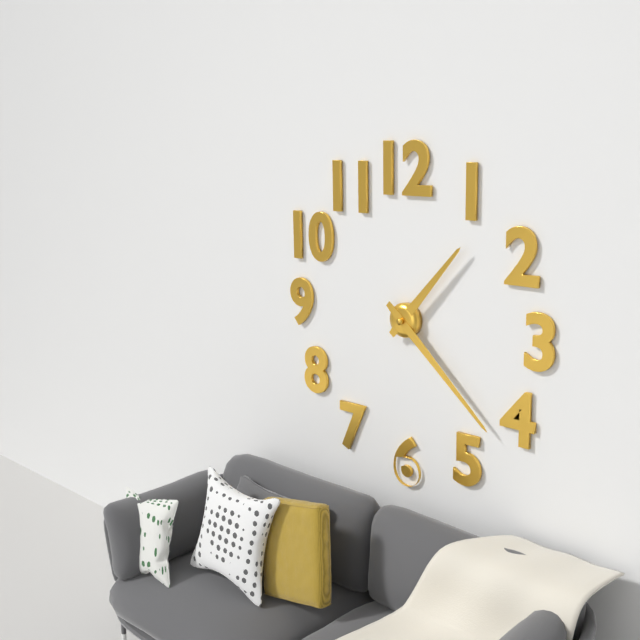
1:22
